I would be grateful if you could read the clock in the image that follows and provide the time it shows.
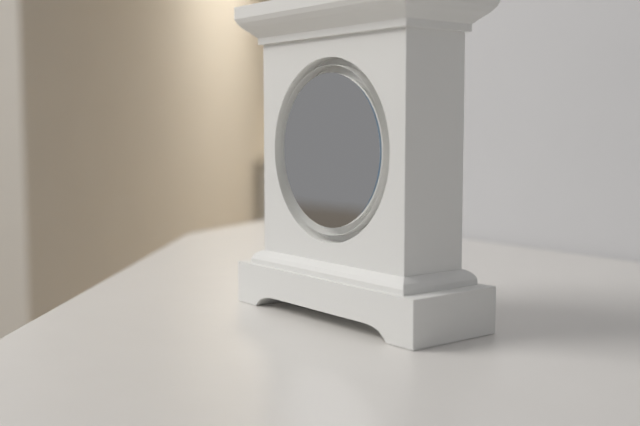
5:23
